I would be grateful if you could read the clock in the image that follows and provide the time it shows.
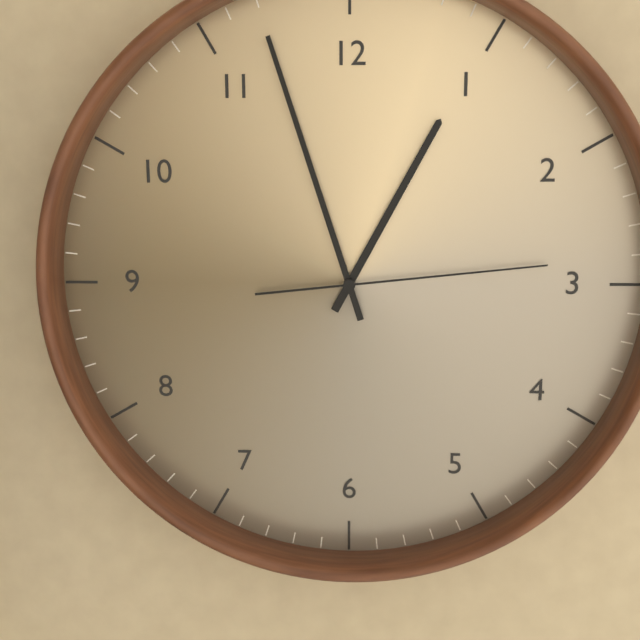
12:57:14
